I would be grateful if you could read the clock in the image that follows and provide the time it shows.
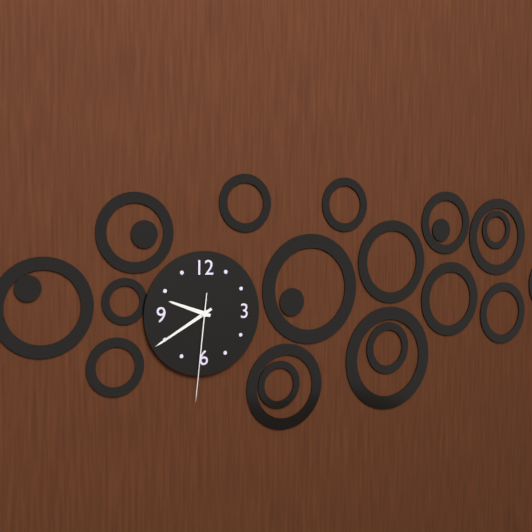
9:40:31
